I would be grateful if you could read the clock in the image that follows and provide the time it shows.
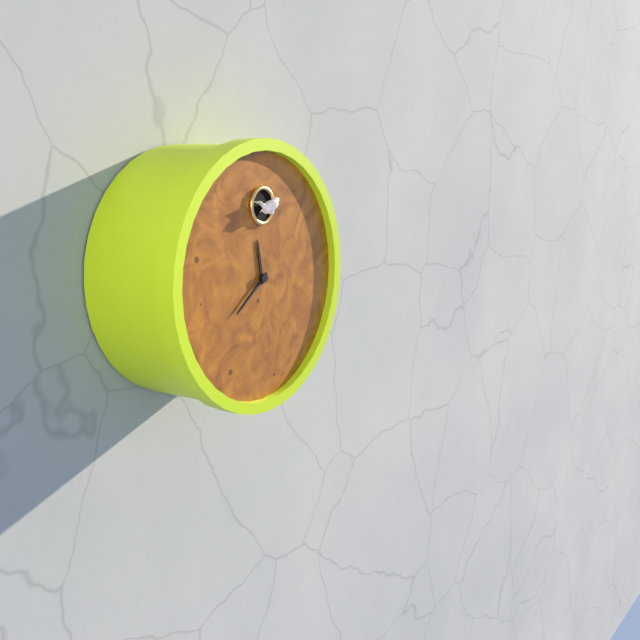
11:39
